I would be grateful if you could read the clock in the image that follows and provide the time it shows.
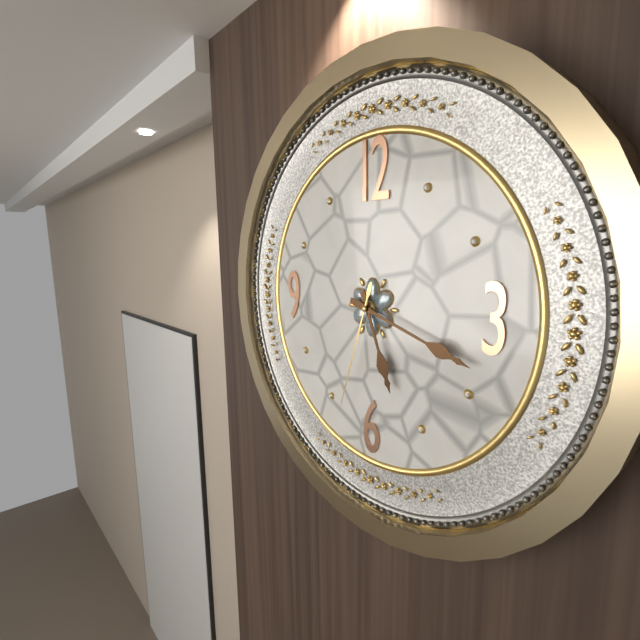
5:18:33
